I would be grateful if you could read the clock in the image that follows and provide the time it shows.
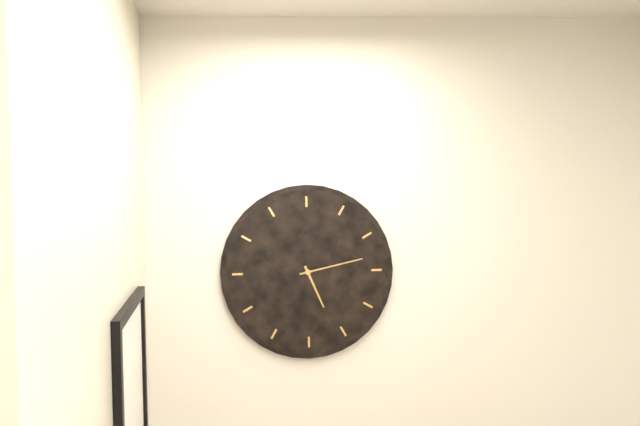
5:13
